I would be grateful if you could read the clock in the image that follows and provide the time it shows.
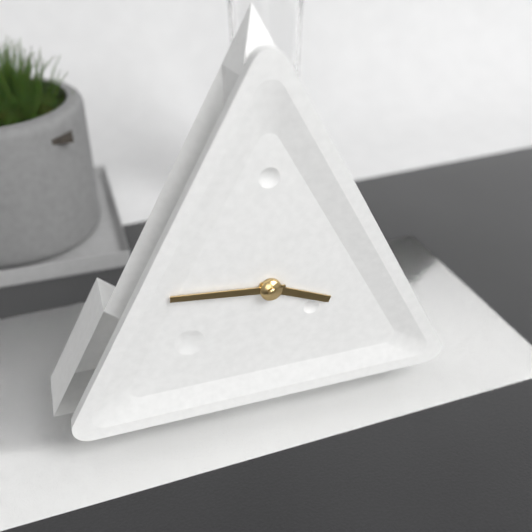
3:46
